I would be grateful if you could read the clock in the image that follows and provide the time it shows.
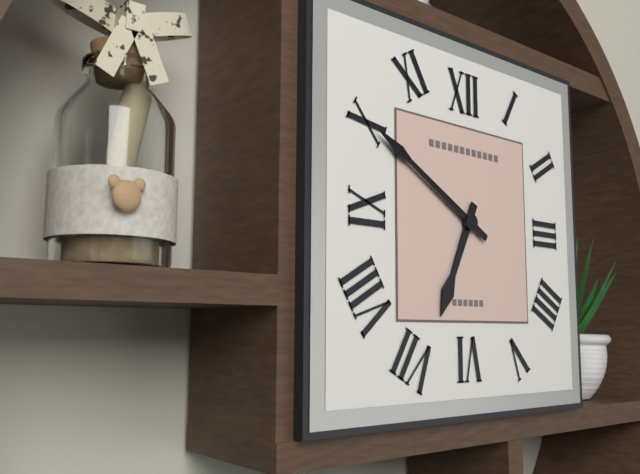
6:50
